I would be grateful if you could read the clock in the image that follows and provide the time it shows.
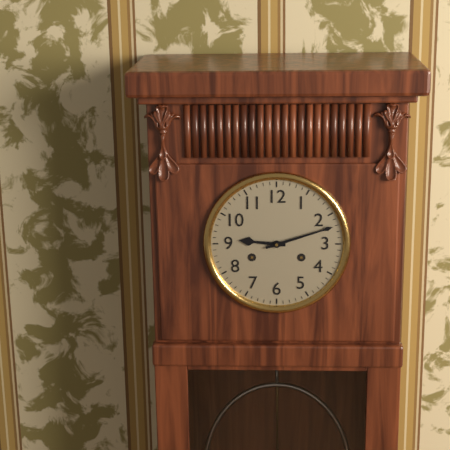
9:12
